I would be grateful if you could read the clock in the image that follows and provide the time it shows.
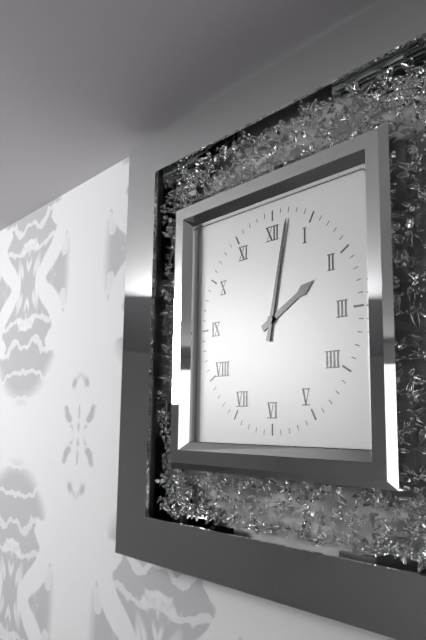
2:02
